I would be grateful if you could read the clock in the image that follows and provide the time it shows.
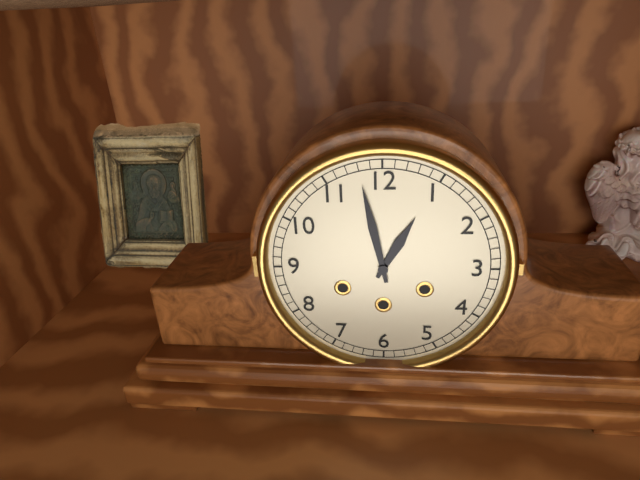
12:58
